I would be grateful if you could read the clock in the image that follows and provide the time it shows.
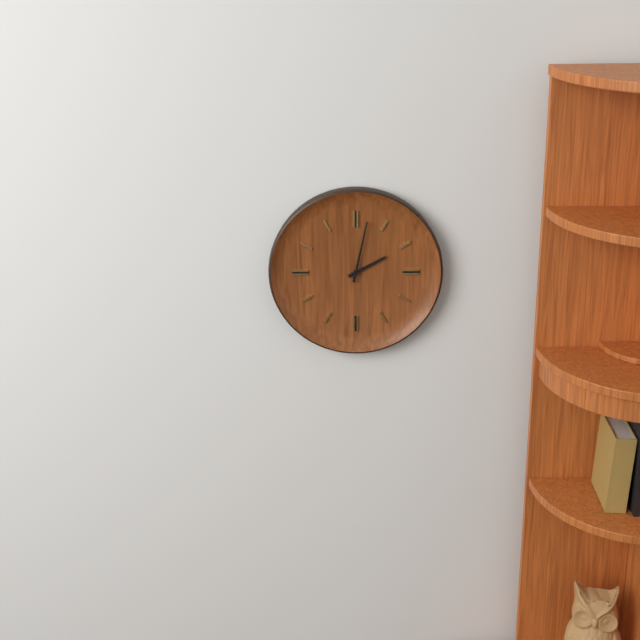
2:02
